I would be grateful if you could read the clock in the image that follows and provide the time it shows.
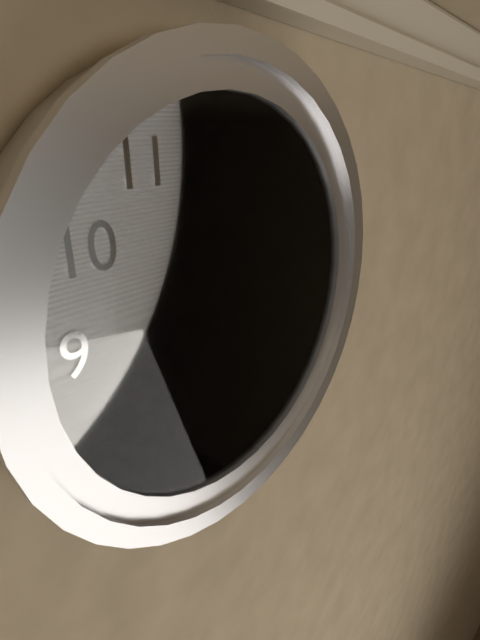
1:07:23
